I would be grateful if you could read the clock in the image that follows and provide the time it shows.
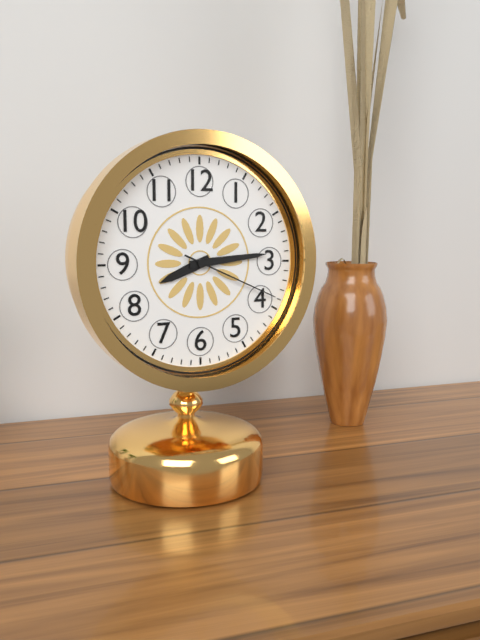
8:14:19
